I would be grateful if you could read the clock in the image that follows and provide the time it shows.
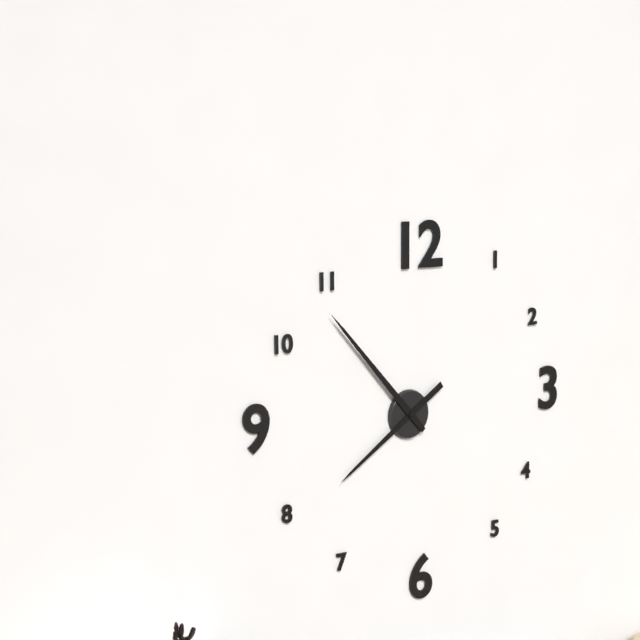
7:53
